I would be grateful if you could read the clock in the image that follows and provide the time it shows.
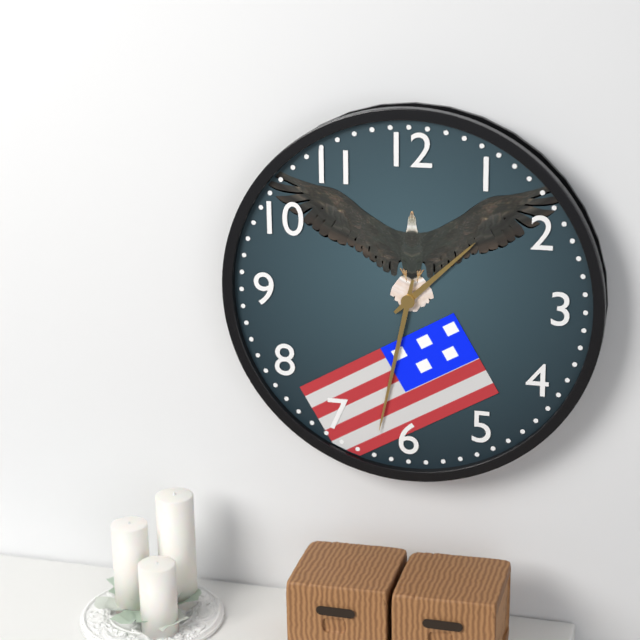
1:32
